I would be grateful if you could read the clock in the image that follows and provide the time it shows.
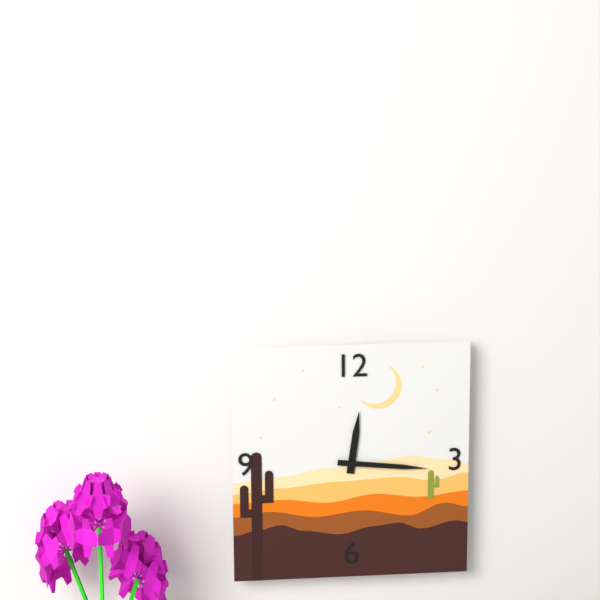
12:16
